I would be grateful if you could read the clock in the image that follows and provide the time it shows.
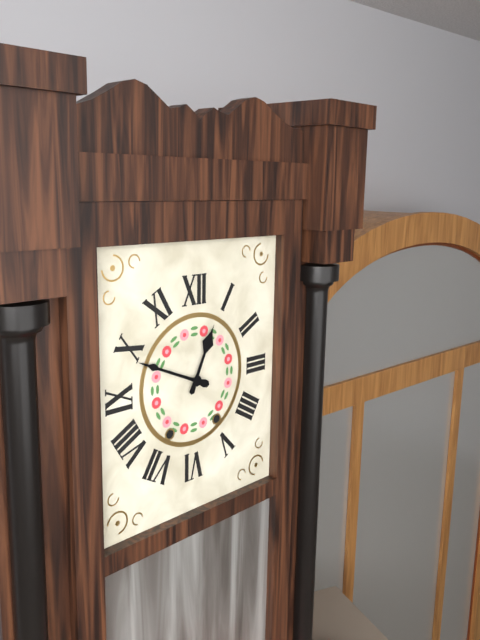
12:49
